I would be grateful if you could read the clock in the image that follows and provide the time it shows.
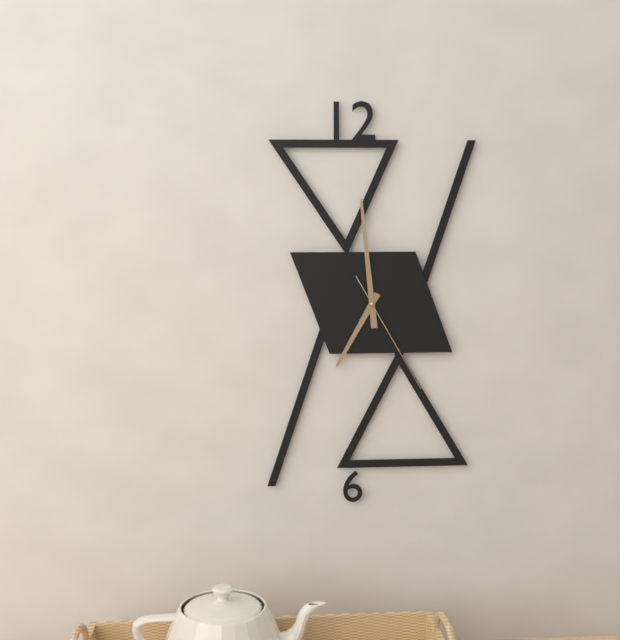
6:59:25
